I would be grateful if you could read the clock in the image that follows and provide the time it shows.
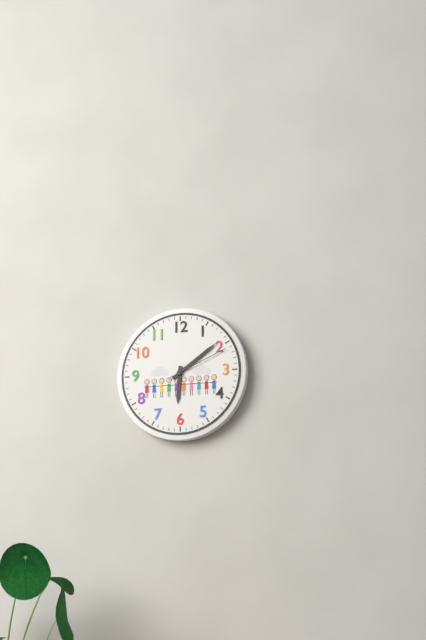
6:09:11
